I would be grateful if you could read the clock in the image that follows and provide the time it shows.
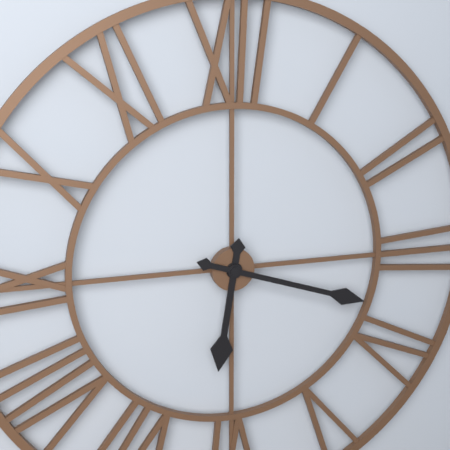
6:18
